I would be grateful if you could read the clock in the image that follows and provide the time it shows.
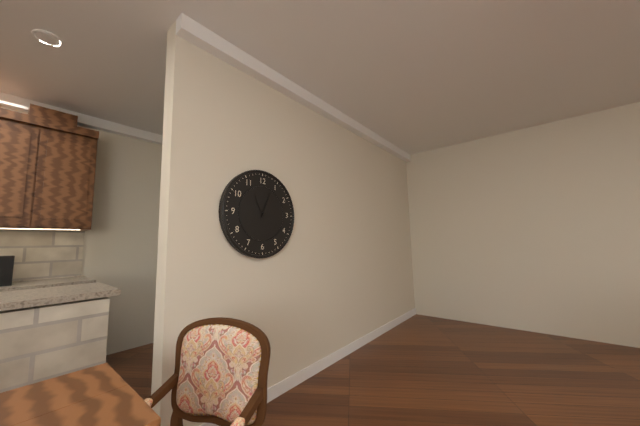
11:04
